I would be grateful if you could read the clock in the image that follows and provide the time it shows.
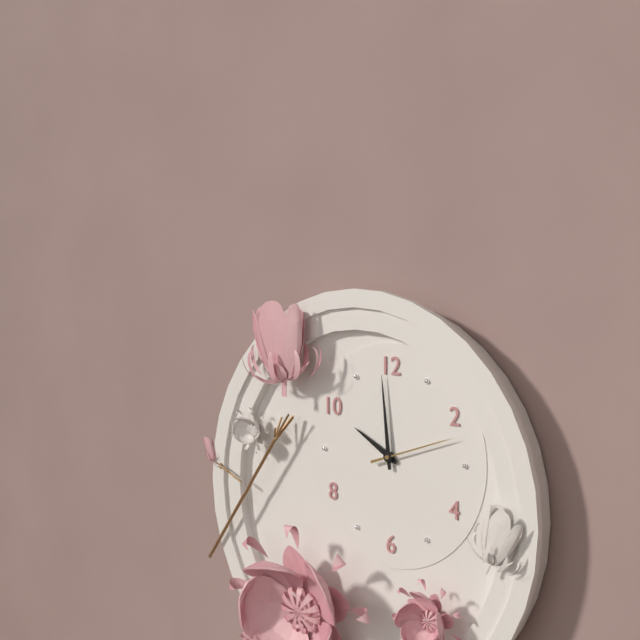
9:59:12
